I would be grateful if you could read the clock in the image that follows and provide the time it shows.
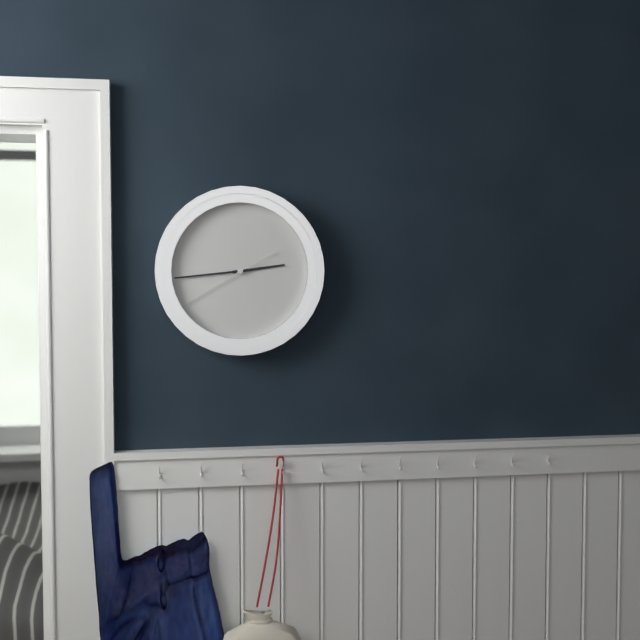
2:44:40
